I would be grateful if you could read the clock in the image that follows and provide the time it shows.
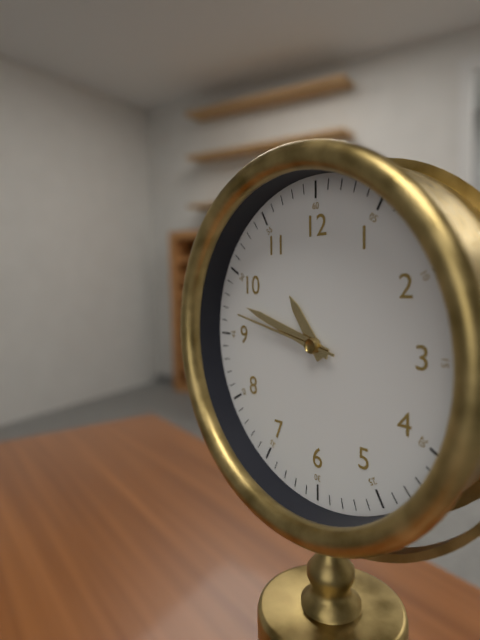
10:48:47
